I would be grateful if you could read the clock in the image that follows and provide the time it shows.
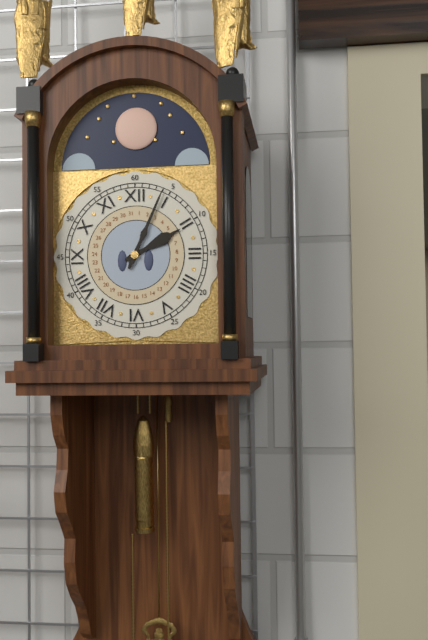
2:04
